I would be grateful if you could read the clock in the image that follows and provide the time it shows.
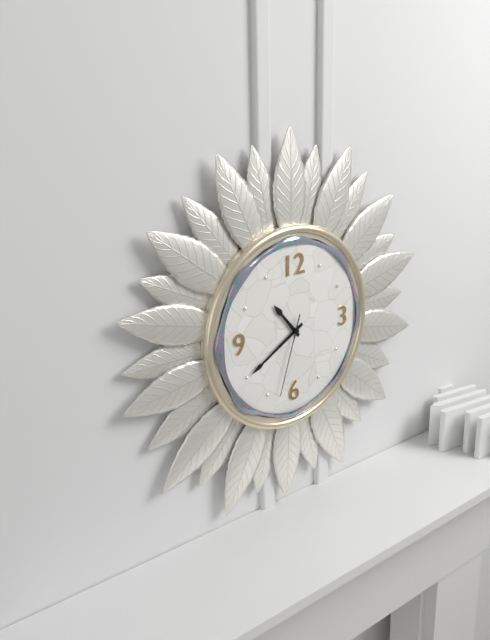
10:40:33
